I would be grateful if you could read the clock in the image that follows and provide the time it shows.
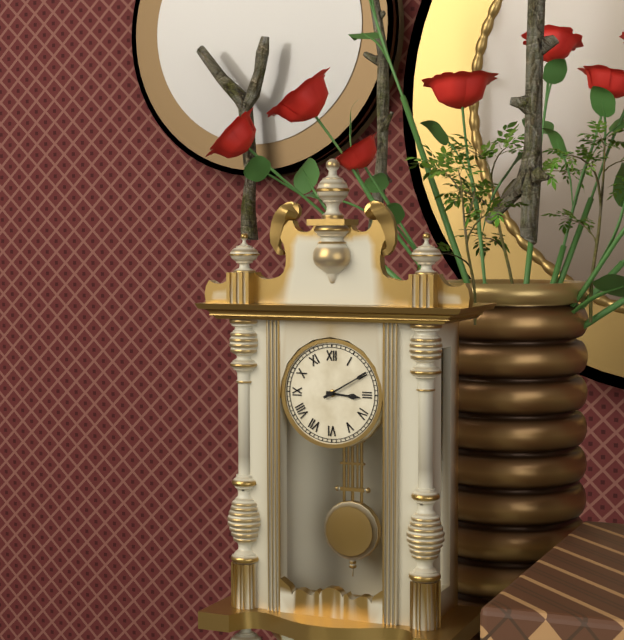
3:10
